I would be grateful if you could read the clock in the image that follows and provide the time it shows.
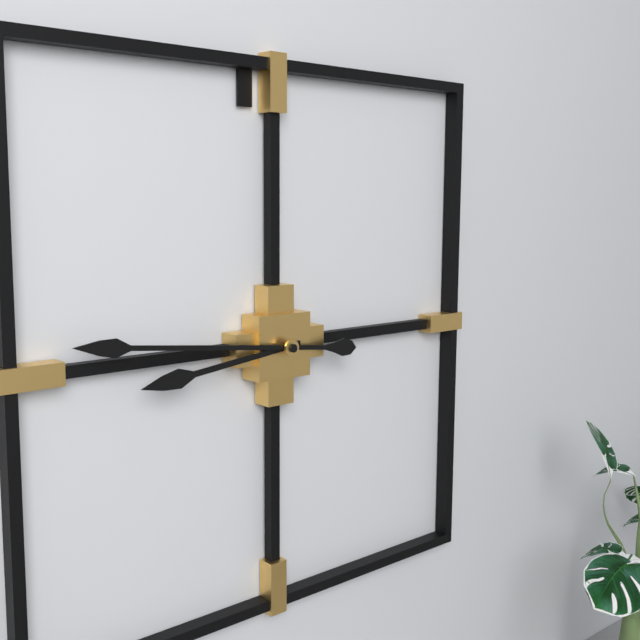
8:46
